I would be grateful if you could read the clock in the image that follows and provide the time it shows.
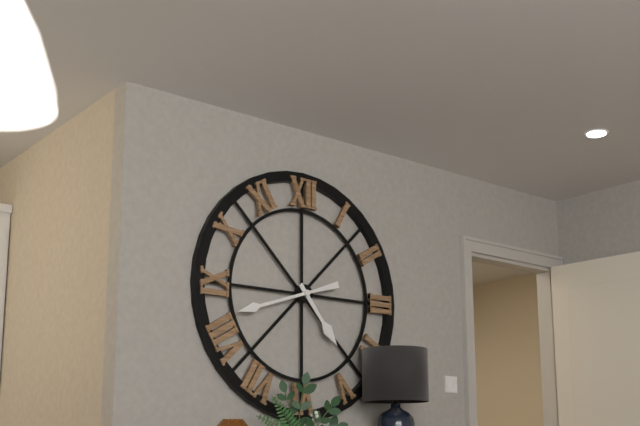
4:42
